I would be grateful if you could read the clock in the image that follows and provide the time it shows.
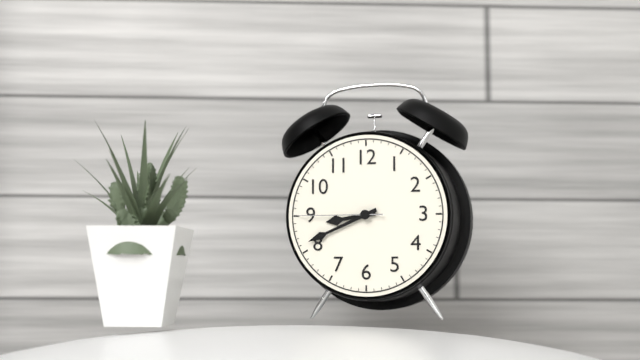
8:41:45
